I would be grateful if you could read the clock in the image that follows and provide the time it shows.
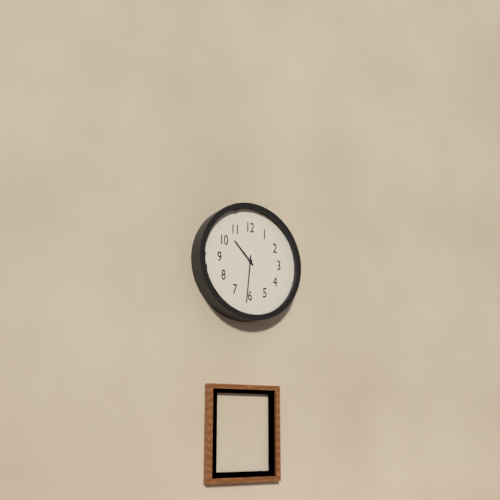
10:31
